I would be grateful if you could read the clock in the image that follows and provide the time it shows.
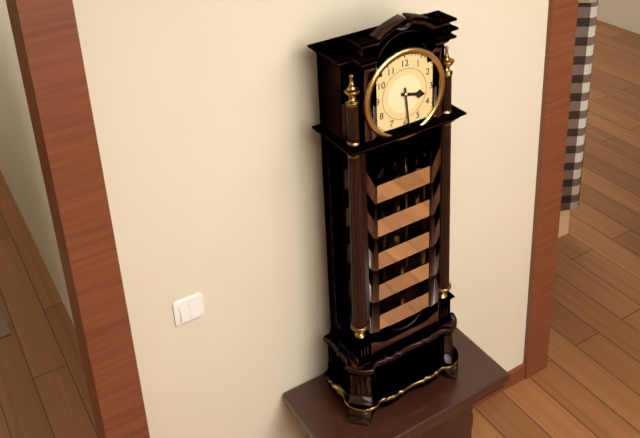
3:29
